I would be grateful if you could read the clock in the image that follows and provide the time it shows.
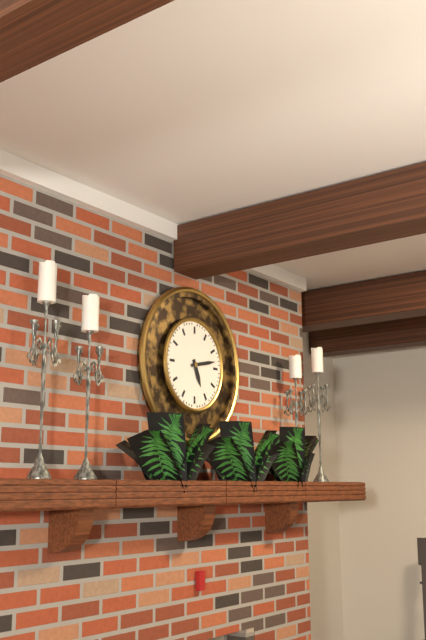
5:13
